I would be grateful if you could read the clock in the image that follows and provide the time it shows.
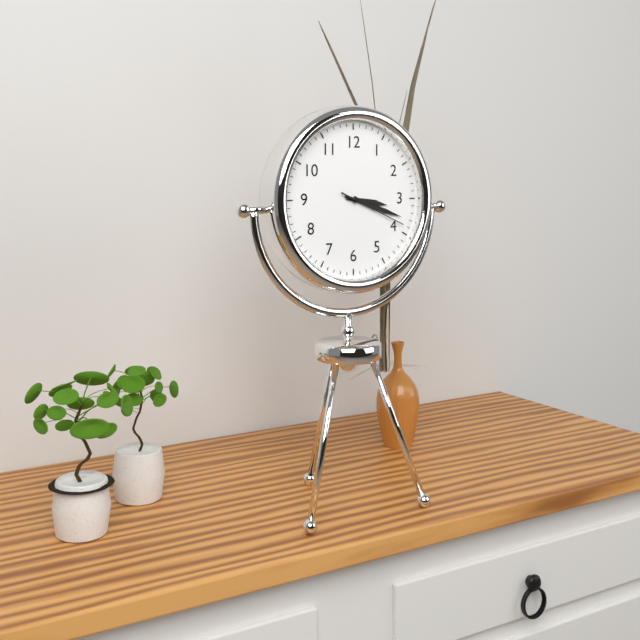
3:18:19
